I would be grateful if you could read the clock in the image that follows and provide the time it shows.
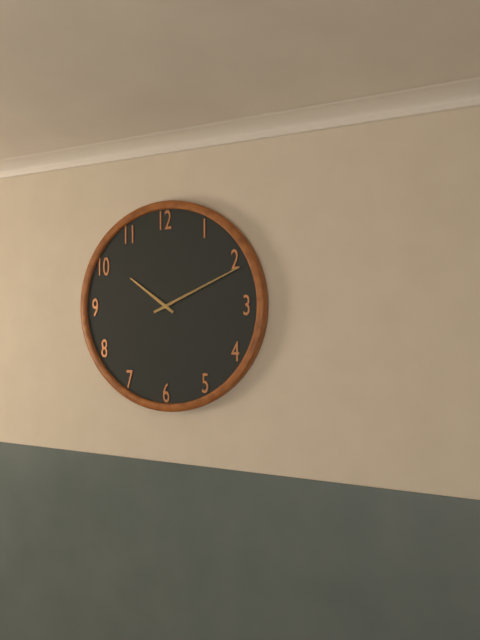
10:11
